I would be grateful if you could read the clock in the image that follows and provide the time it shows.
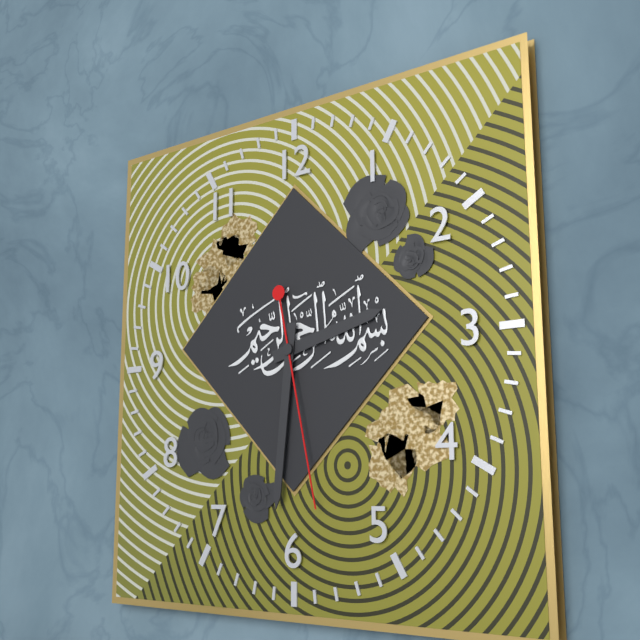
2:31:28
